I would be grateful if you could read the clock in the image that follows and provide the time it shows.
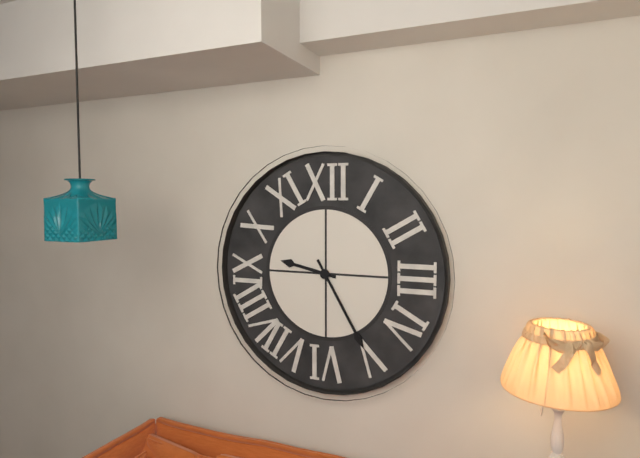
9:25
